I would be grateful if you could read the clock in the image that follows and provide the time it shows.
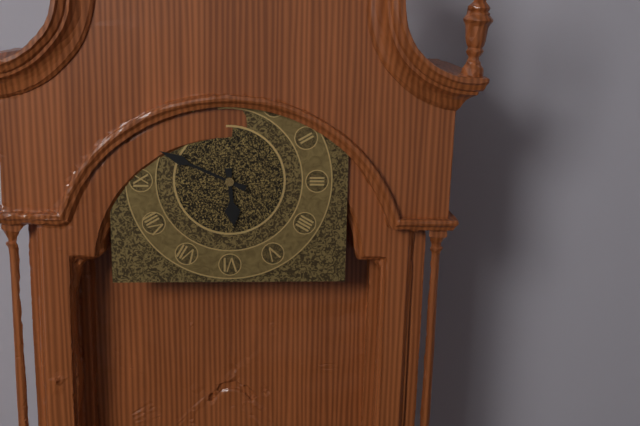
5:49
